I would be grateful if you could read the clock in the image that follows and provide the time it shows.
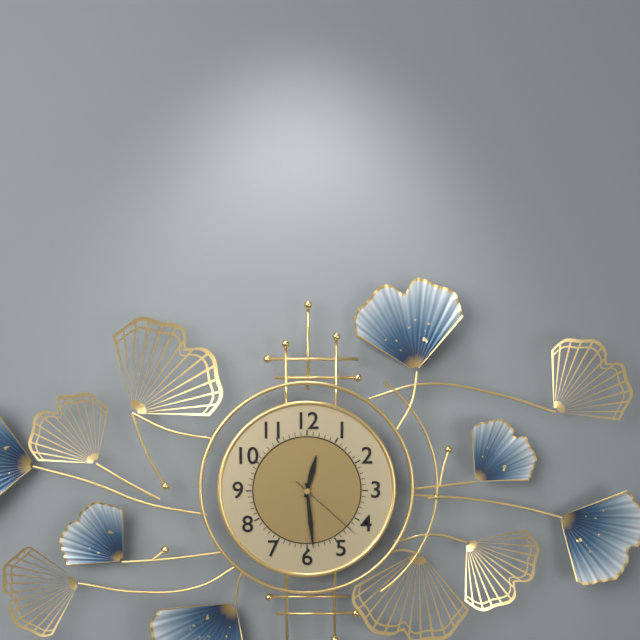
12:29:22
